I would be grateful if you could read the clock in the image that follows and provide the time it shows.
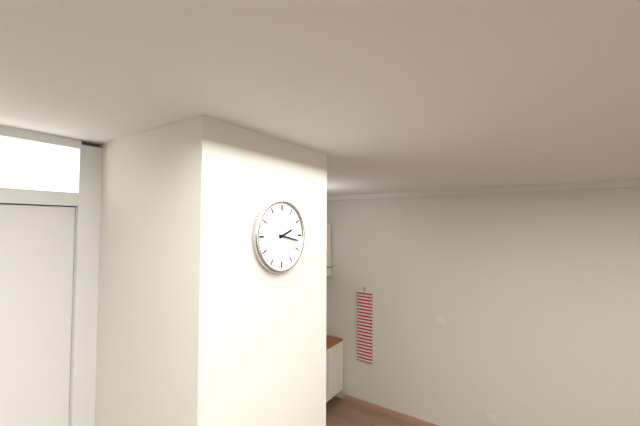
2:17
